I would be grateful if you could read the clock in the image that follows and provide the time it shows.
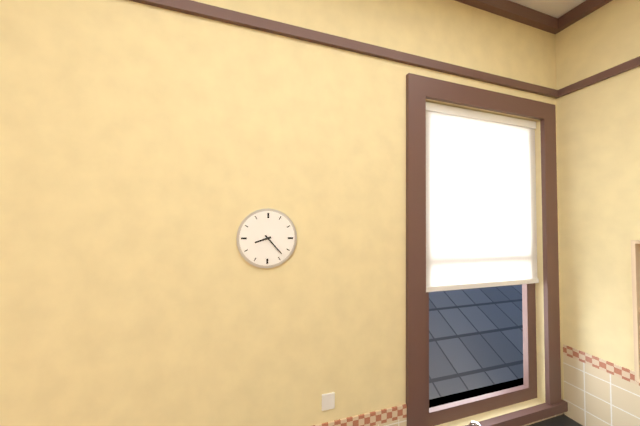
8:23
